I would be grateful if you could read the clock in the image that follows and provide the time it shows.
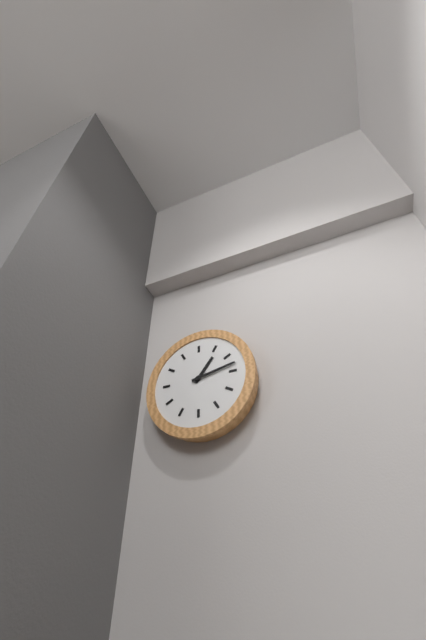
1:13
